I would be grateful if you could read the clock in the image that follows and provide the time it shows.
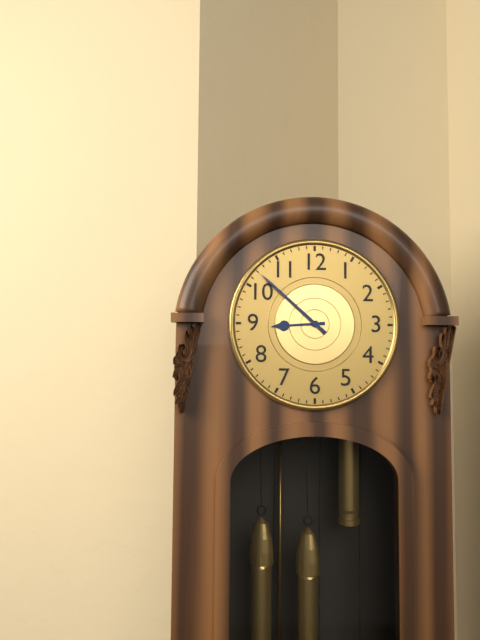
8:52
